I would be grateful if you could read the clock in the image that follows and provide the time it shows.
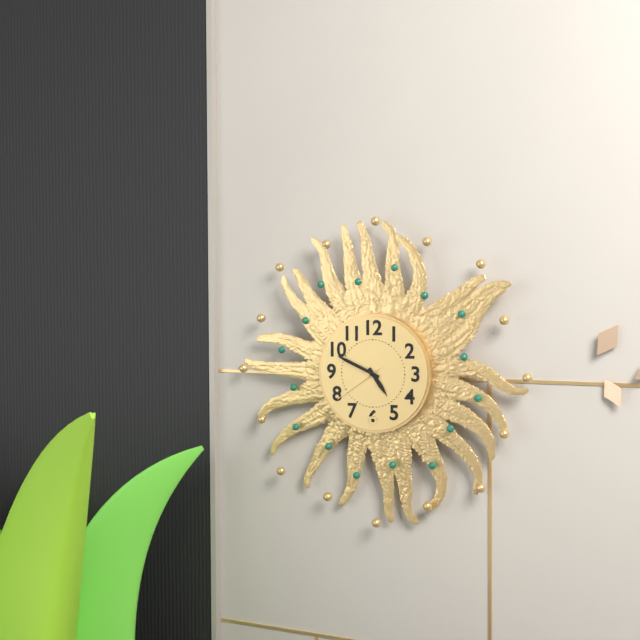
4:49:39
